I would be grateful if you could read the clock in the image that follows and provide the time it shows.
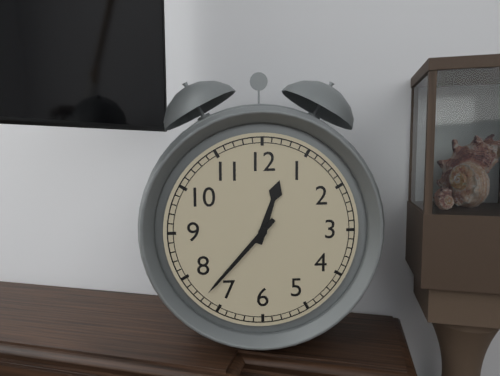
12:37
